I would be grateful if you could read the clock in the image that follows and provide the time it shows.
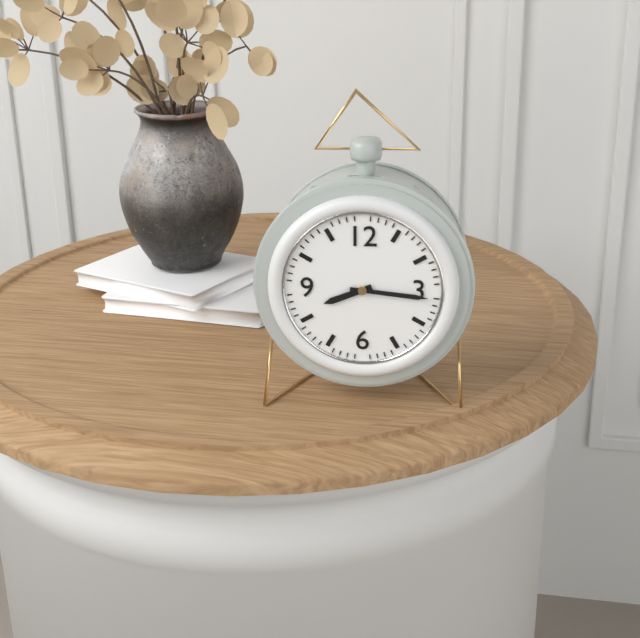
8:16
